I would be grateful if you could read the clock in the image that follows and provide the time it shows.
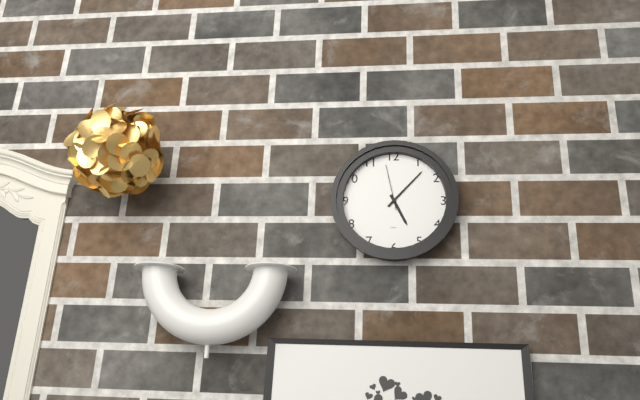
5:07
